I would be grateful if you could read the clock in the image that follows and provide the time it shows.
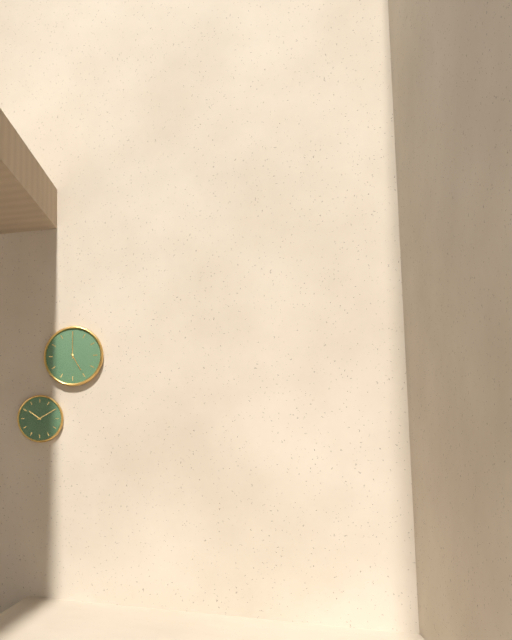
5:00
